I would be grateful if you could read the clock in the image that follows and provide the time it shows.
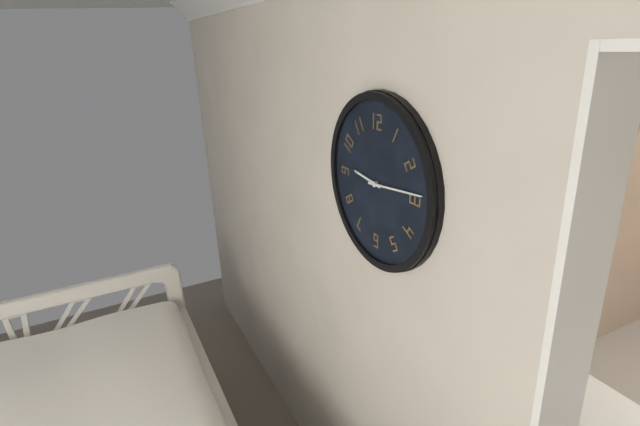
9:14
